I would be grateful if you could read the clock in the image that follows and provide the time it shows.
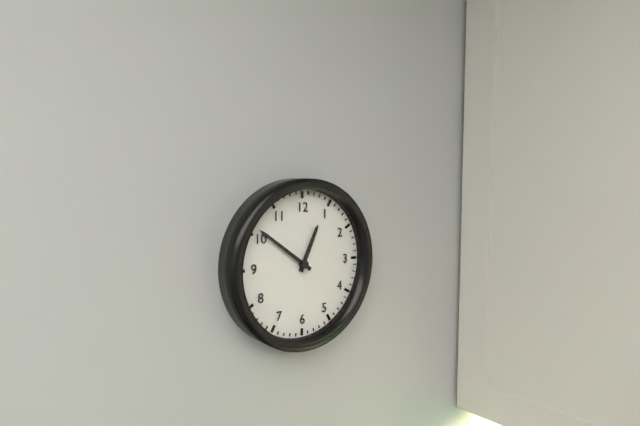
12:51
